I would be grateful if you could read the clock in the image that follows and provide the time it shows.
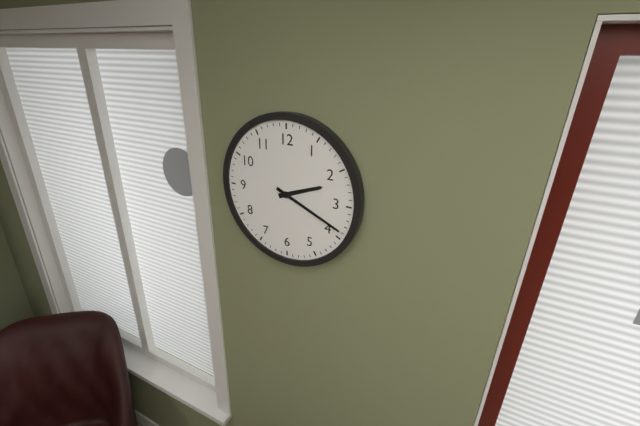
2:19
